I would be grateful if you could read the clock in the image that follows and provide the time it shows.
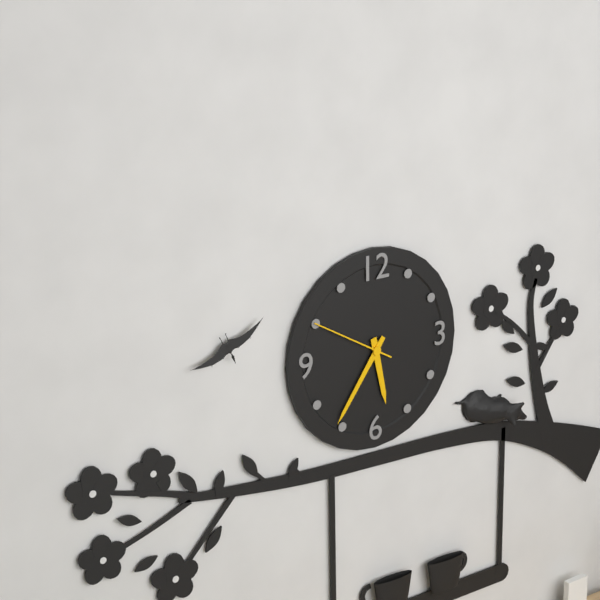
5:36:50
